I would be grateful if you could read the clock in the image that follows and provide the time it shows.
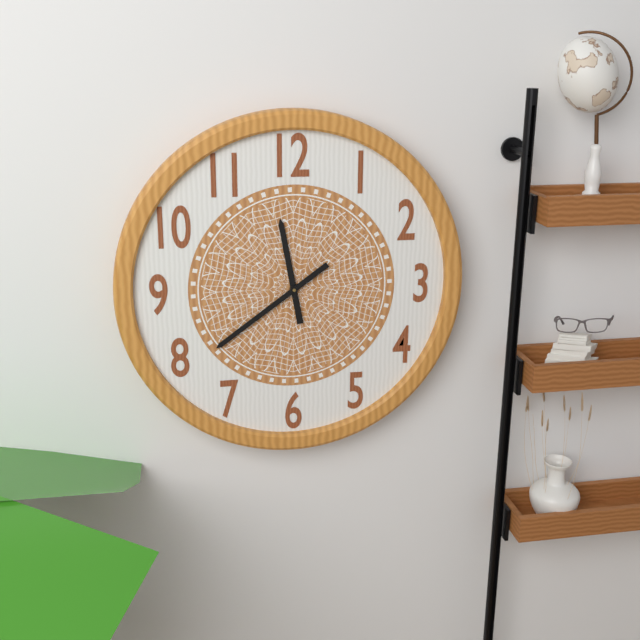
11:39
